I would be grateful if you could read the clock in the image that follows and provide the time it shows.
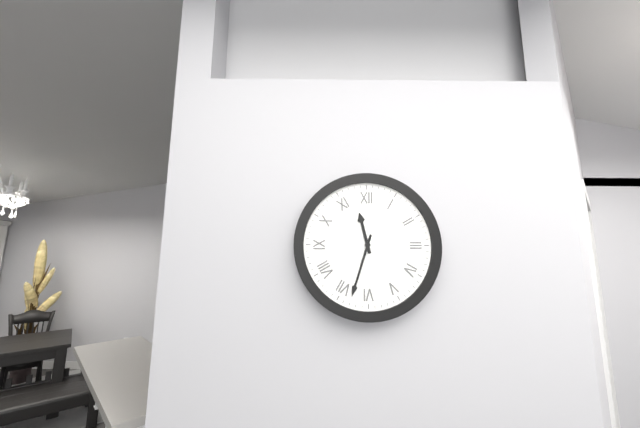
11:33
